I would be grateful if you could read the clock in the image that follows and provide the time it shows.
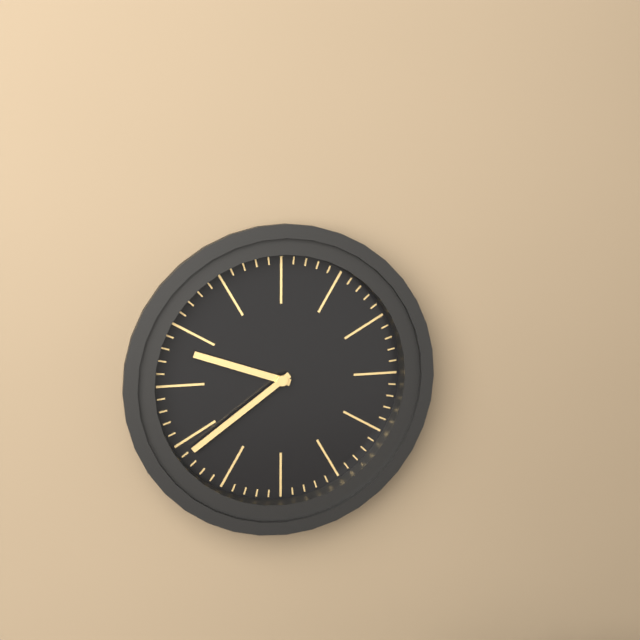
9:39
